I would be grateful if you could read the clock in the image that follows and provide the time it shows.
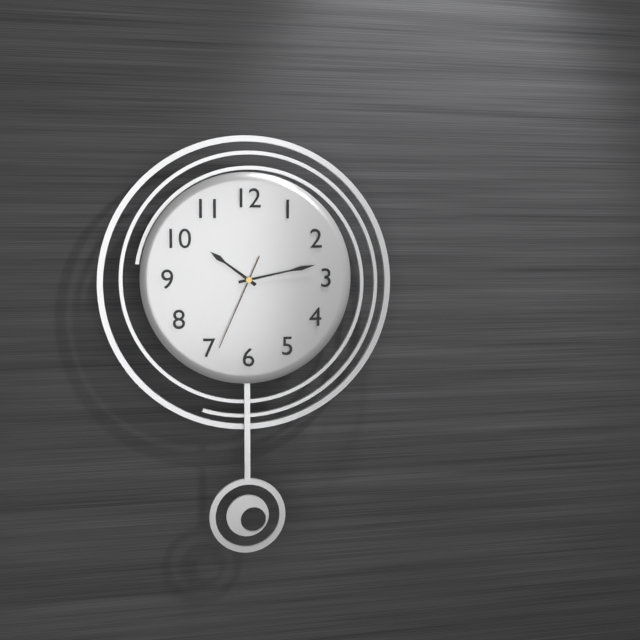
10:13:34
